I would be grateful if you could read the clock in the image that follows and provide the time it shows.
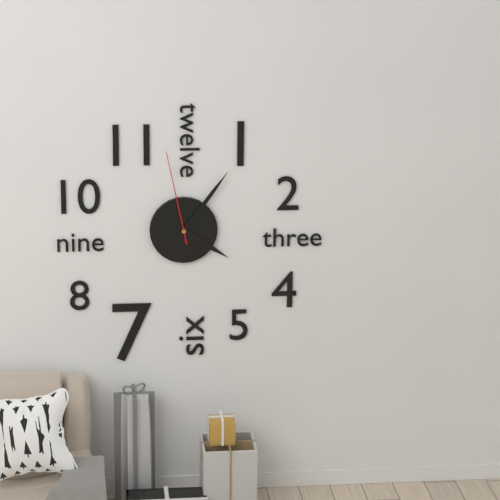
4:06:58
